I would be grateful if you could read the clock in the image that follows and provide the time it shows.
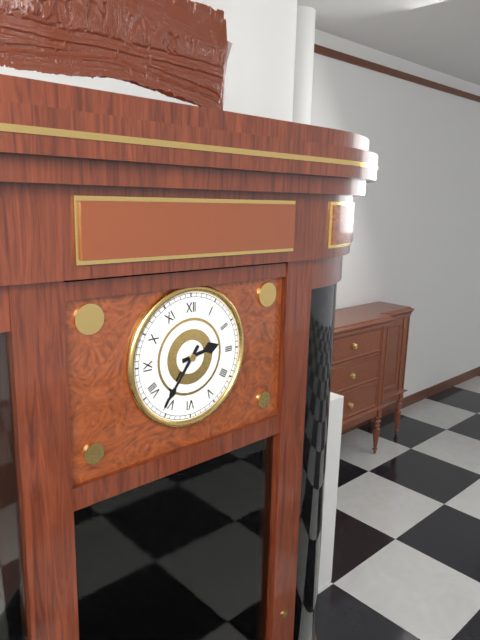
2:36
